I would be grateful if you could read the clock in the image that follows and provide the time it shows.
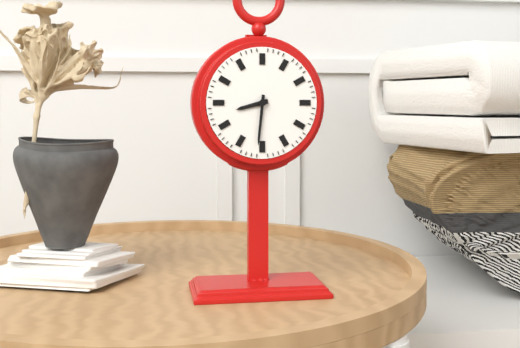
8:31
